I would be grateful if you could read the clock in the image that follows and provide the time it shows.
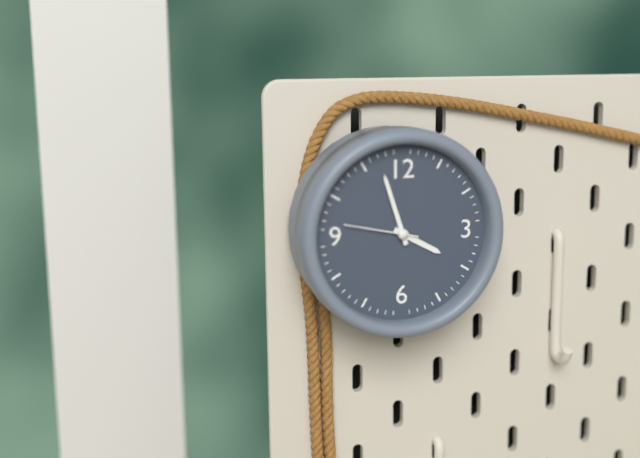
3:57:47
